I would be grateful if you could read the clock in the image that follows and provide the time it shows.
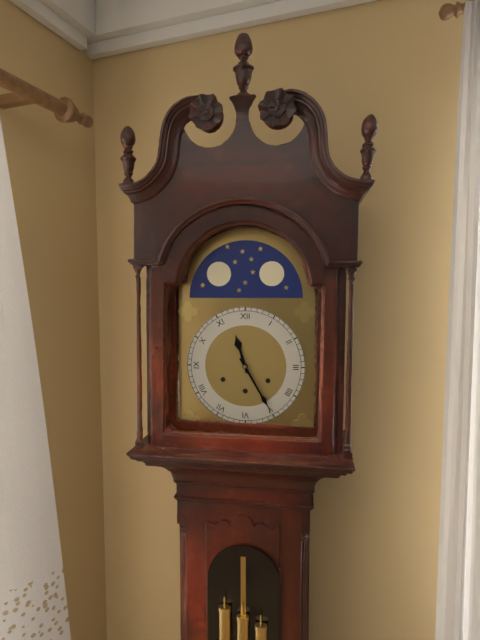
11:25
